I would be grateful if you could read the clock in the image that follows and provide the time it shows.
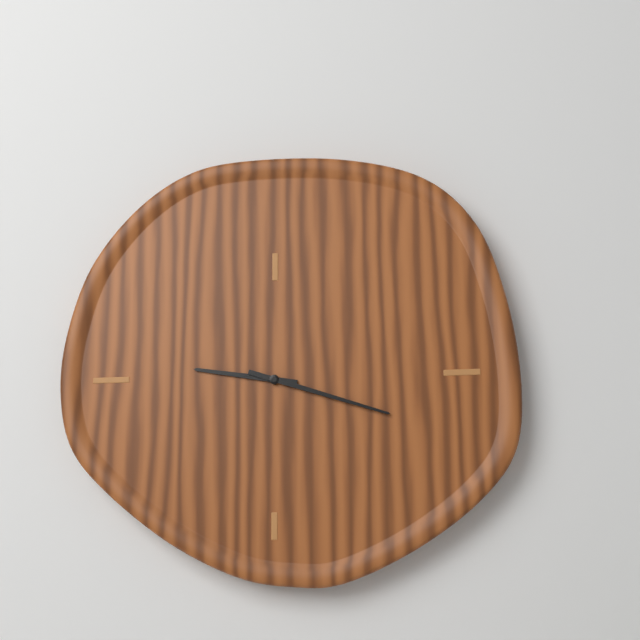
9:18
